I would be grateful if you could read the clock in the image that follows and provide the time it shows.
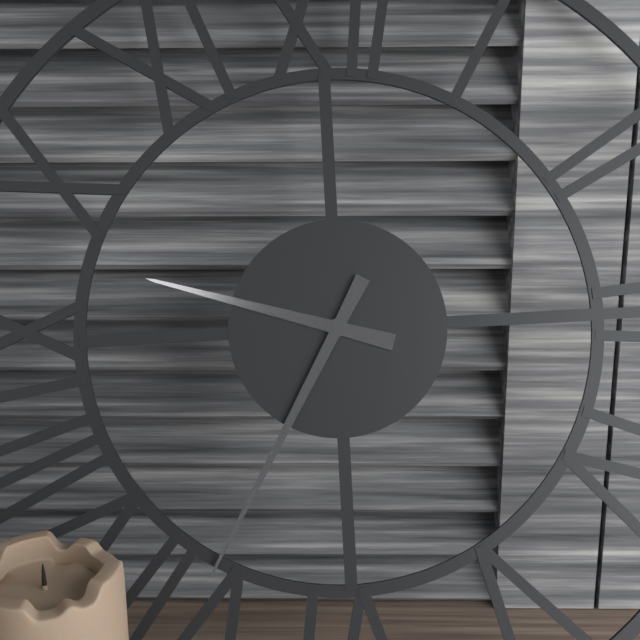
9:35
